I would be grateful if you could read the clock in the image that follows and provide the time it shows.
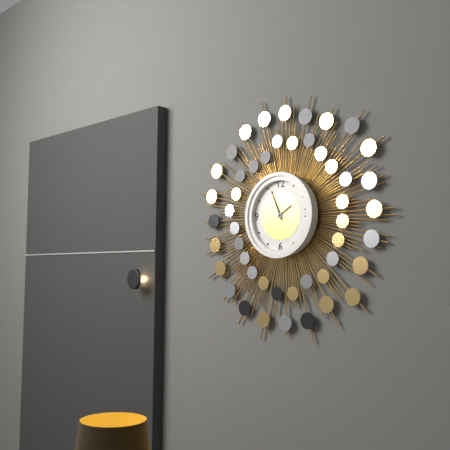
1:56
